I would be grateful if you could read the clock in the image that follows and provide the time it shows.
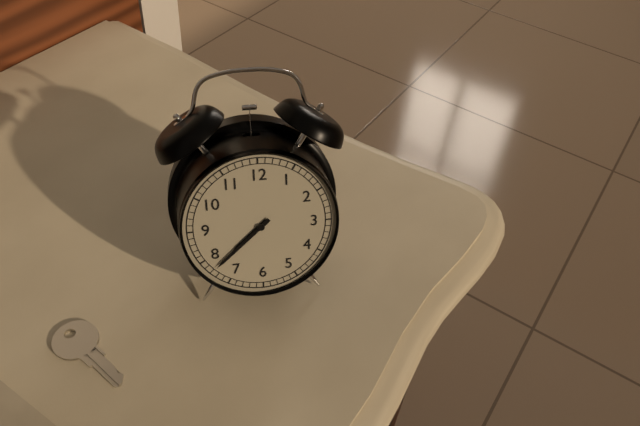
7:38
